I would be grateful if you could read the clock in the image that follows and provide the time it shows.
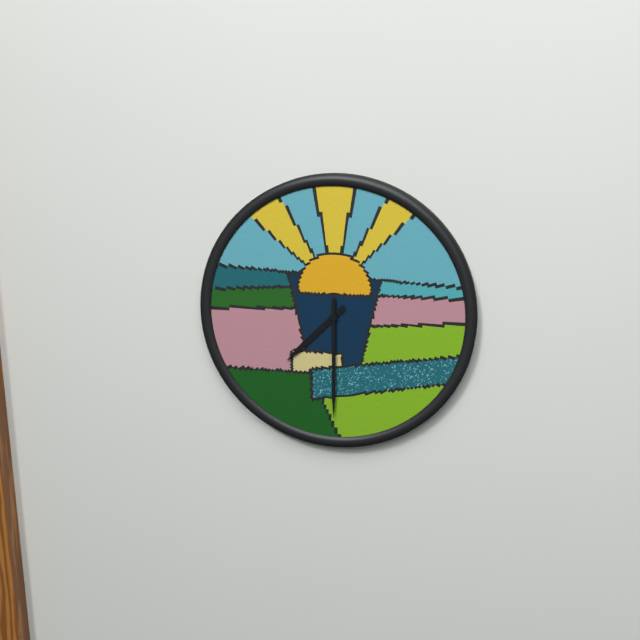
7:30
